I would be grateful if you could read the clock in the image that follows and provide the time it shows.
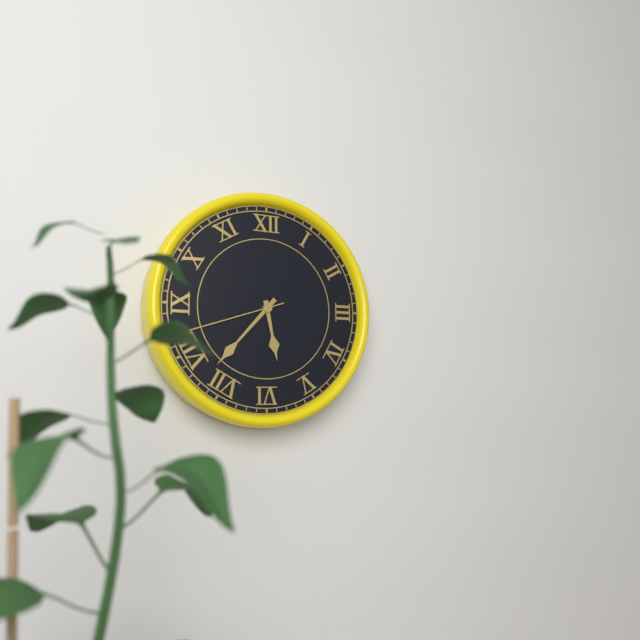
5:37:42
